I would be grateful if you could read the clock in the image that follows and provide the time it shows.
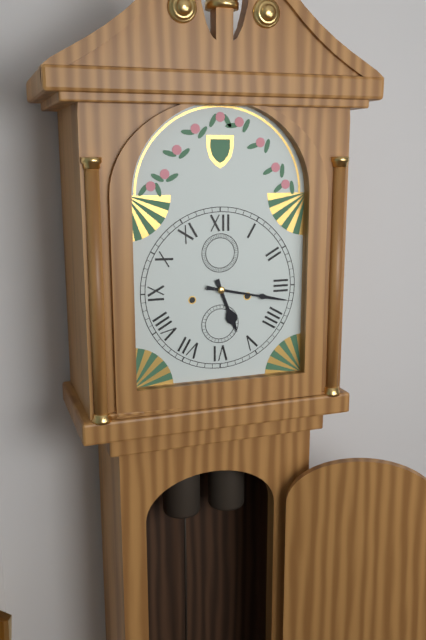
5:17
